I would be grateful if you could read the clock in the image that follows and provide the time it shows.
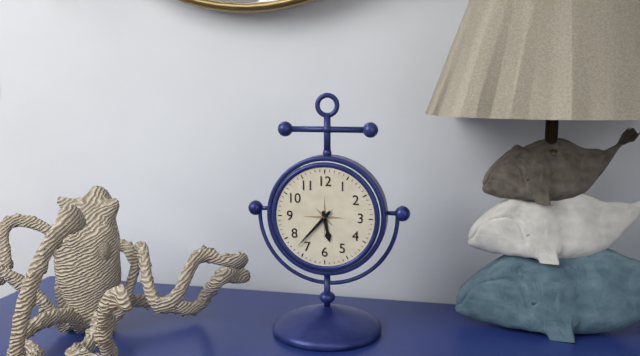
5:37
